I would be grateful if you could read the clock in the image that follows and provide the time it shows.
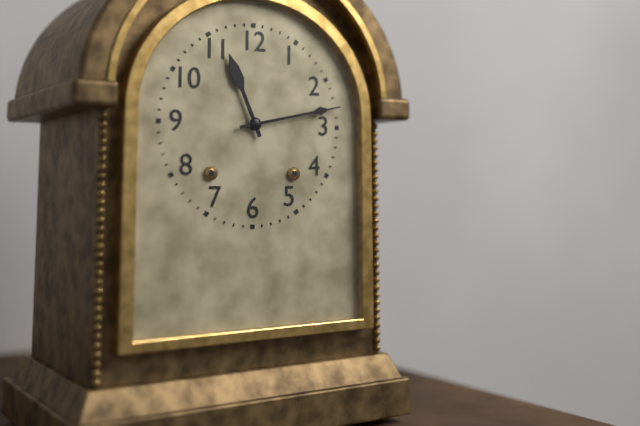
11:13
